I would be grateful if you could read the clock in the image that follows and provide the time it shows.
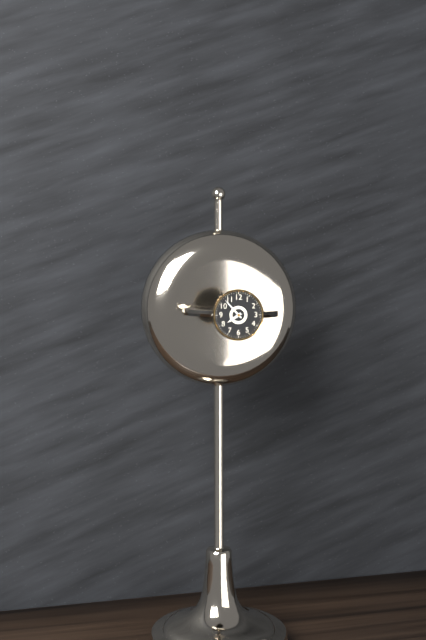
7:53
